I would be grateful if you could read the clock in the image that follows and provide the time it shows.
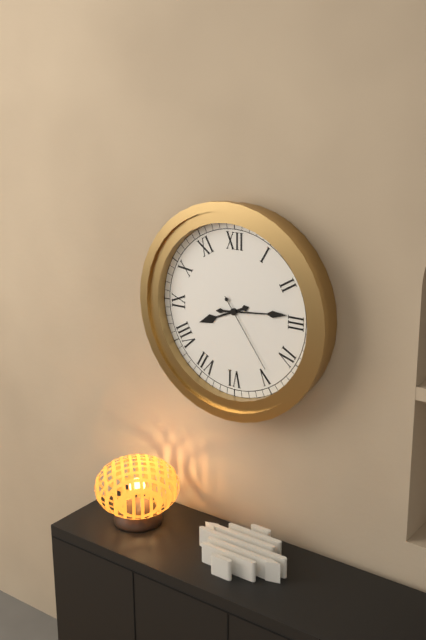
8:14:24
